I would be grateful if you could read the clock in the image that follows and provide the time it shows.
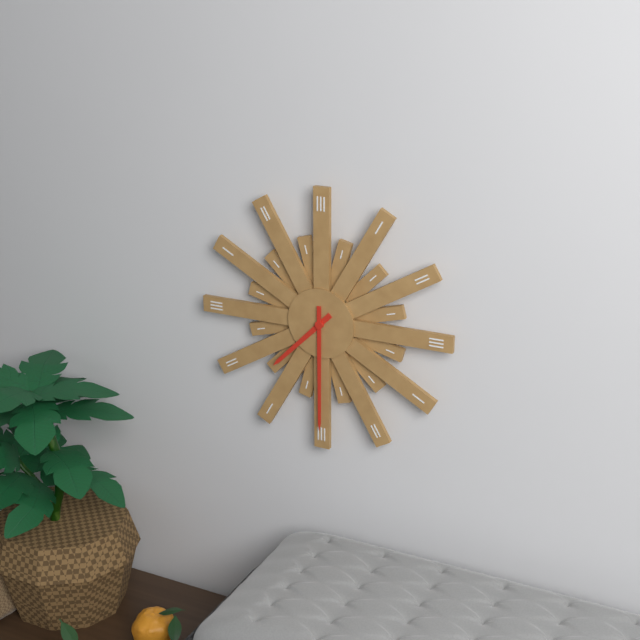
7:30
